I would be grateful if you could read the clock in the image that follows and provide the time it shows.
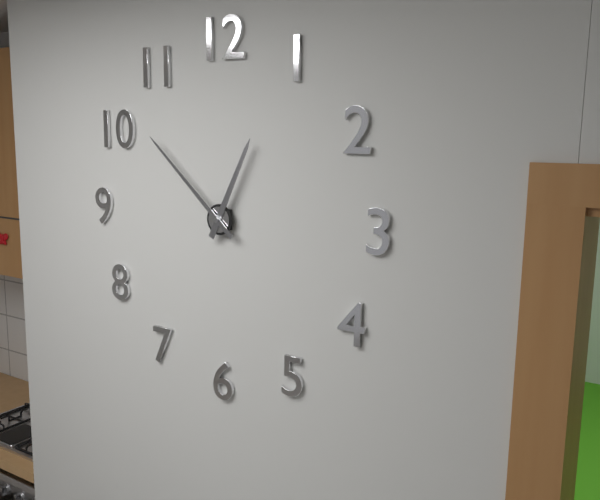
12:52
